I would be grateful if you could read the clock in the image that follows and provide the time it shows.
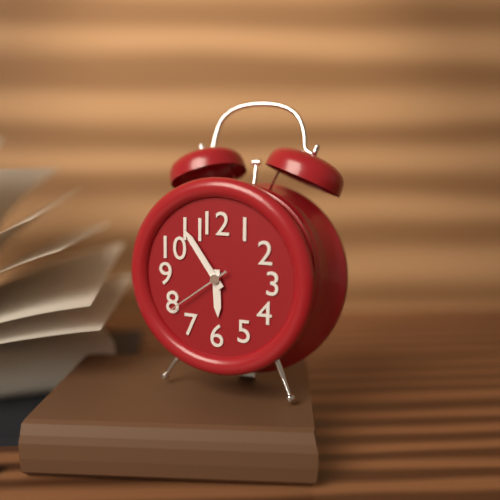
5:54:39
